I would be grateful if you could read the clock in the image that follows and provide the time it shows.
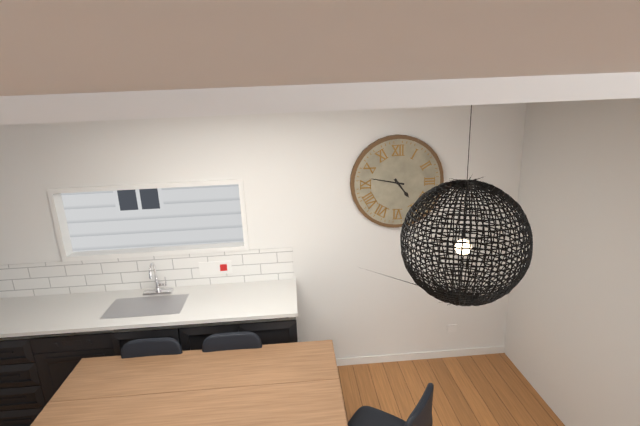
4:47
